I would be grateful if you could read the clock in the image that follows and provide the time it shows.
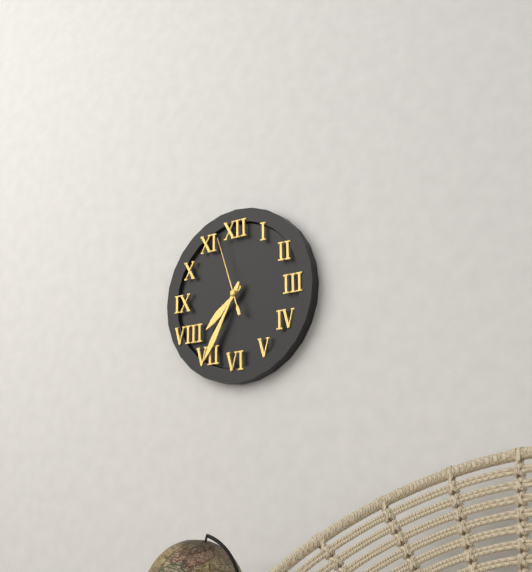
7:35:57
